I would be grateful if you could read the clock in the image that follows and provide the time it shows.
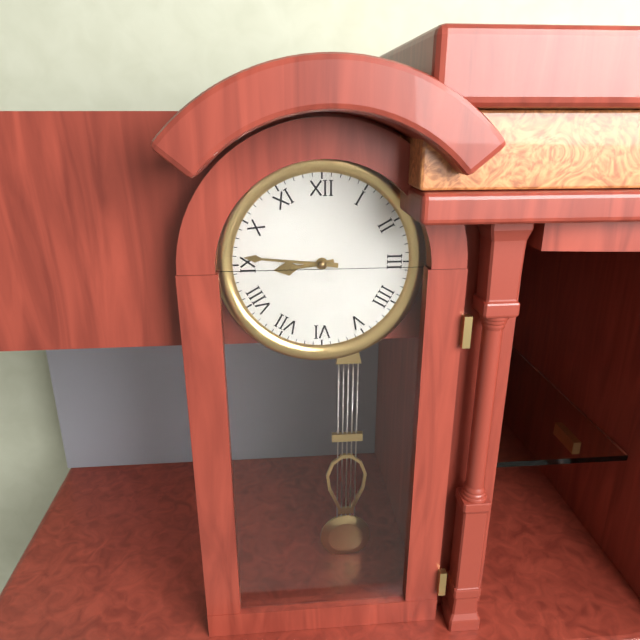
8:46
